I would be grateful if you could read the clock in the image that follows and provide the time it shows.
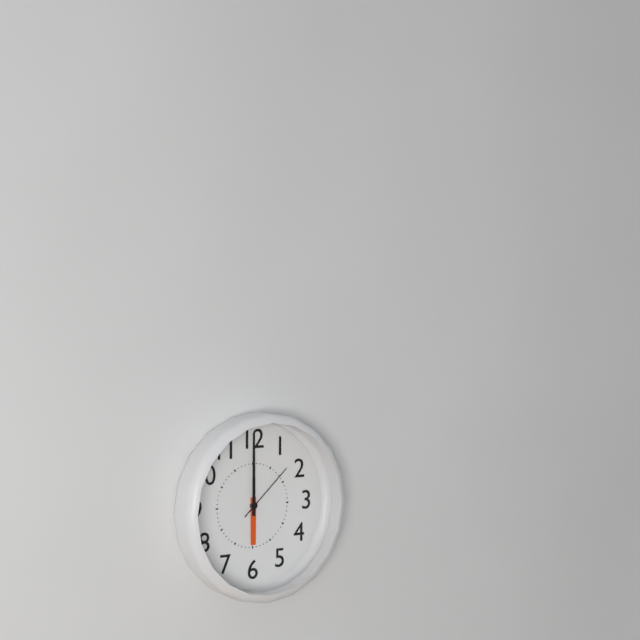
6:00:08
